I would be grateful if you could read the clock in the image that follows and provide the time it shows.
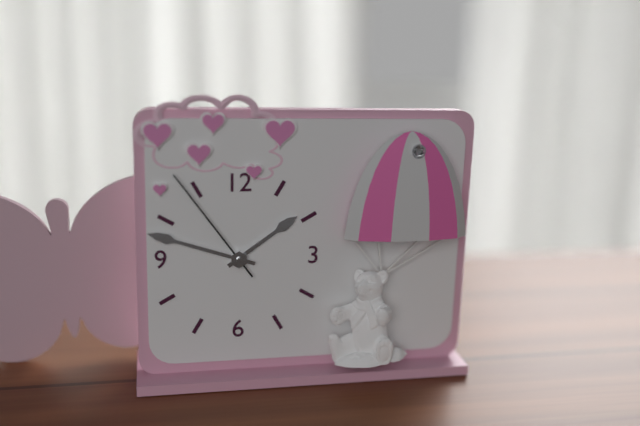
1:48:54
